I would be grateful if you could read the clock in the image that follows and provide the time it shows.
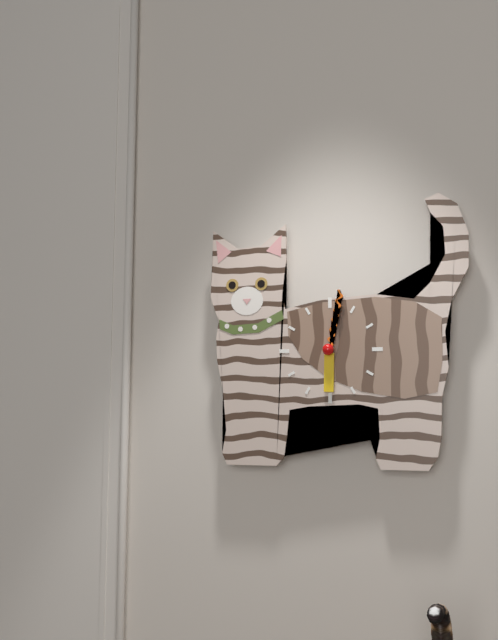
6:02
